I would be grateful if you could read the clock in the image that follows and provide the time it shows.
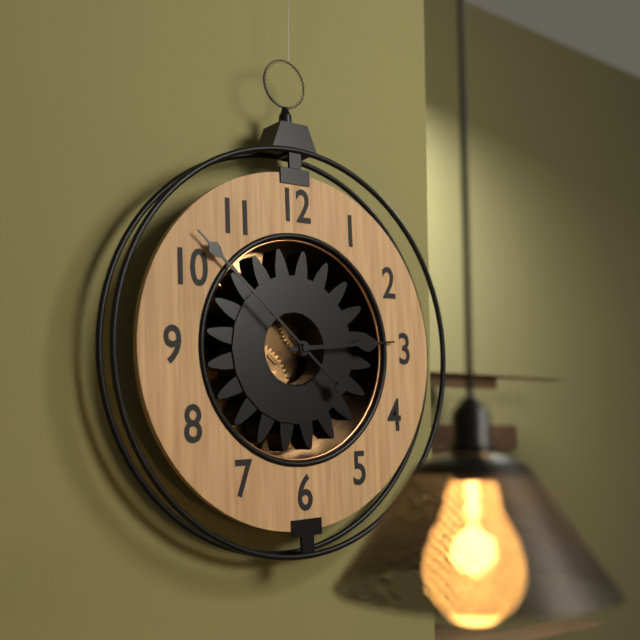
2:52
